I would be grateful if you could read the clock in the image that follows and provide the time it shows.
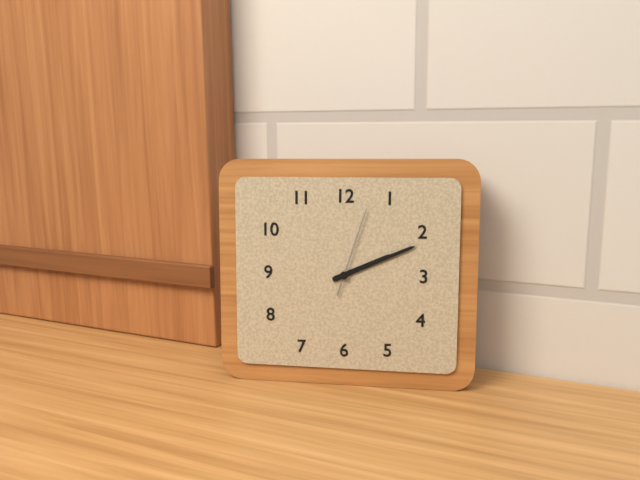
2:11:03
